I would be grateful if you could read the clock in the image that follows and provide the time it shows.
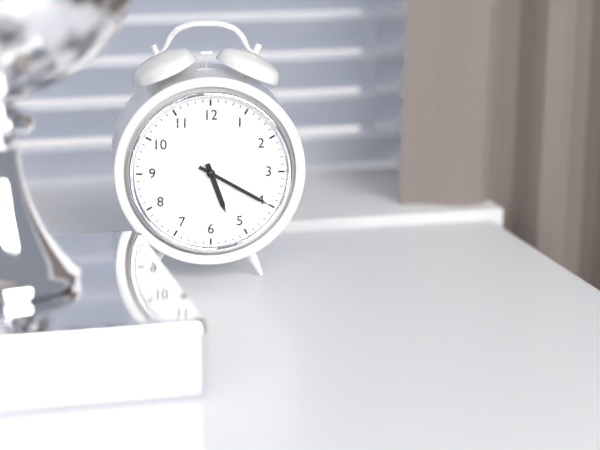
5:20
